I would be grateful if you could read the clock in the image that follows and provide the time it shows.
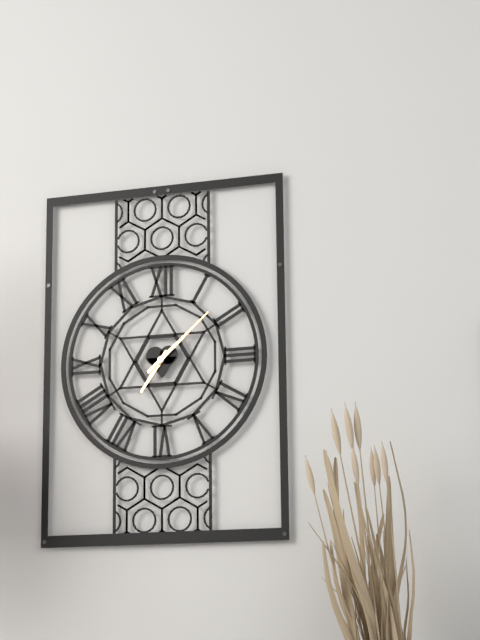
7:08
